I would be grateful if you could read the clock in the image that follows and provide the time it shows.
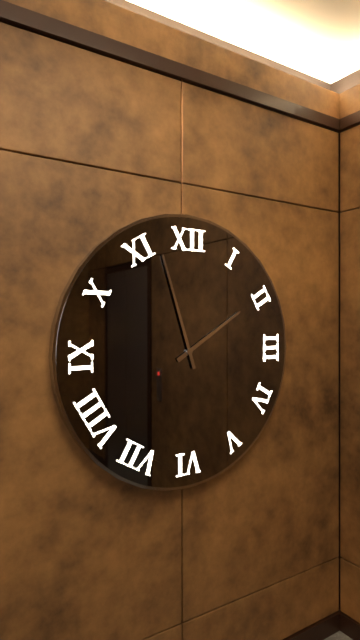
1:57
